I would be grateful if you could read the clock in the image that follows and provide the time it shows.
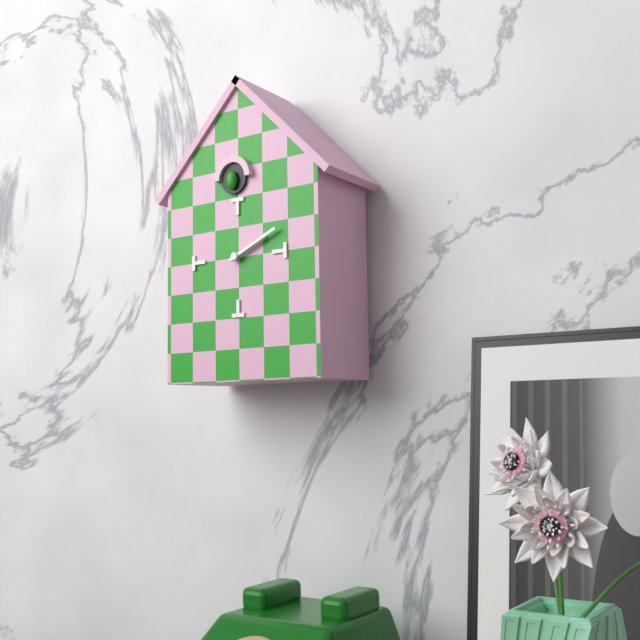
2:11
